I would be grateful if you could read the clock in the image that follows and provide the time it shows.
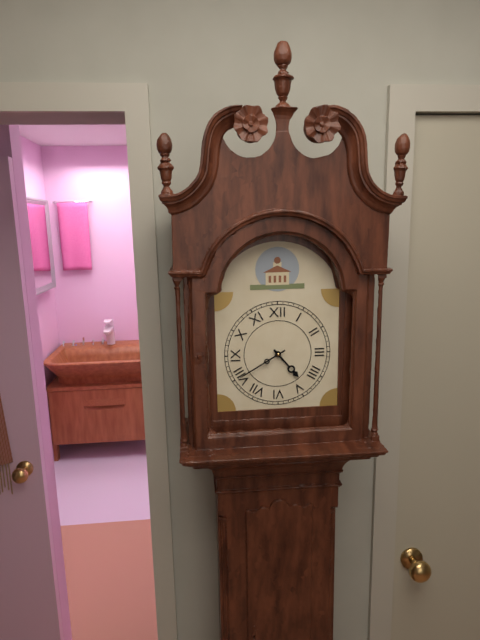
4:40
